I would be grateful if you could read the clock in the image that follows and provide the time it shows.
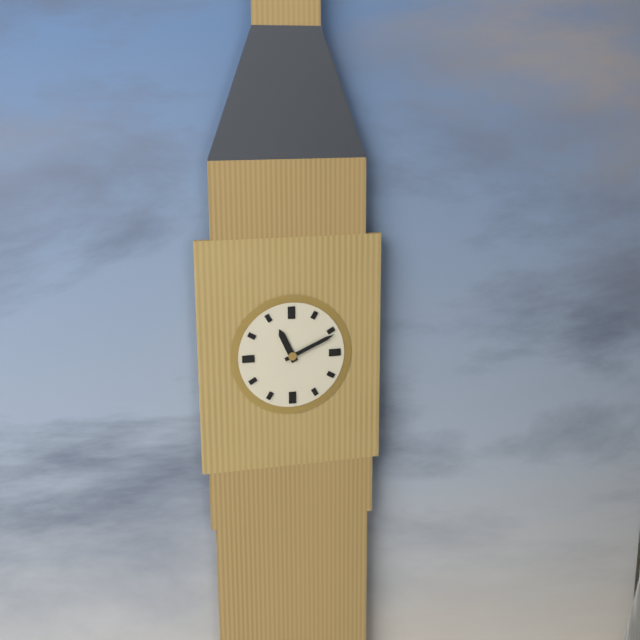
11:11
